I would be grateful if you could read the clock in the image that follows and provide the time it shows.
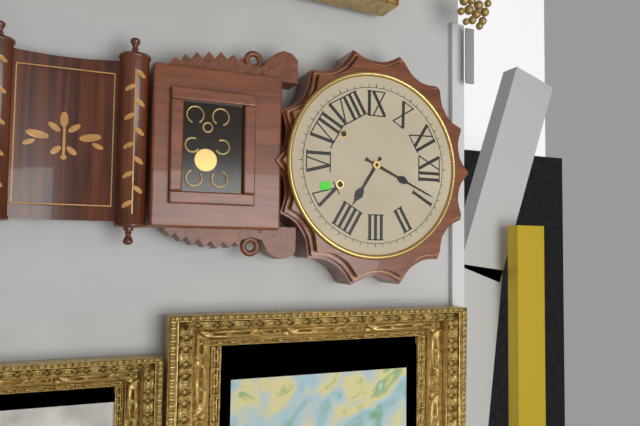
4:04
